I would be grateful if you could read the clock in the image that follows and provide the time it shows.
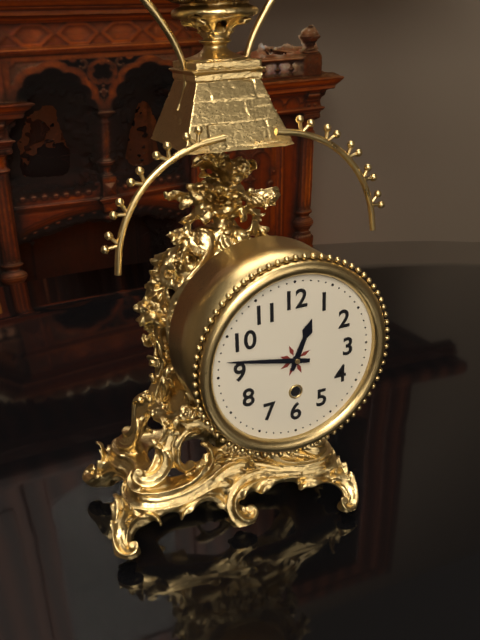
12:47
